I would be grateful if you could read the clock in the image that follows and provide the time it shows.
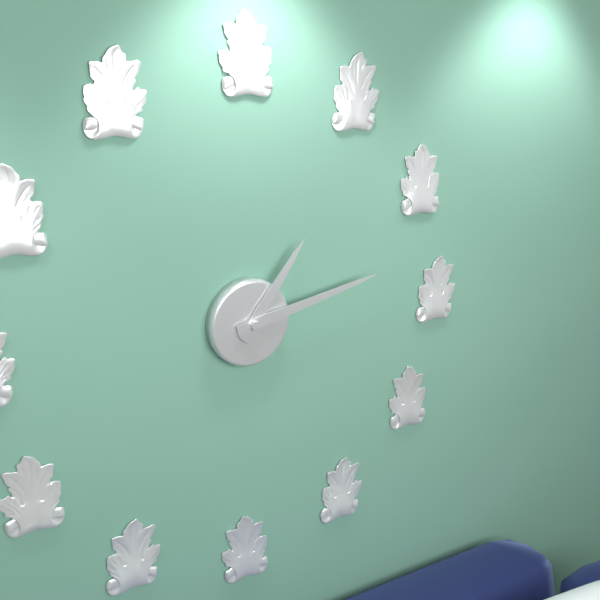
1:13
